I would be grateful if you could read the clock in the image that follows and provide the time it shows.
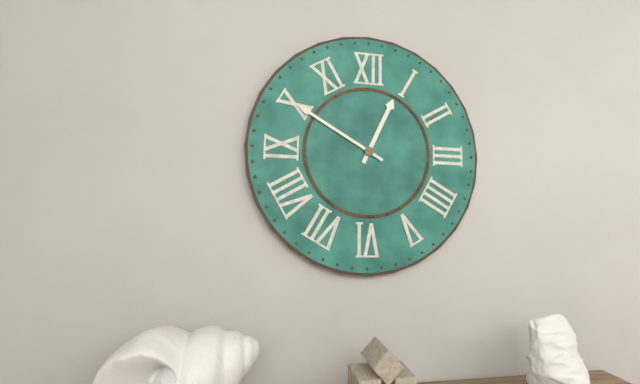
12:50
